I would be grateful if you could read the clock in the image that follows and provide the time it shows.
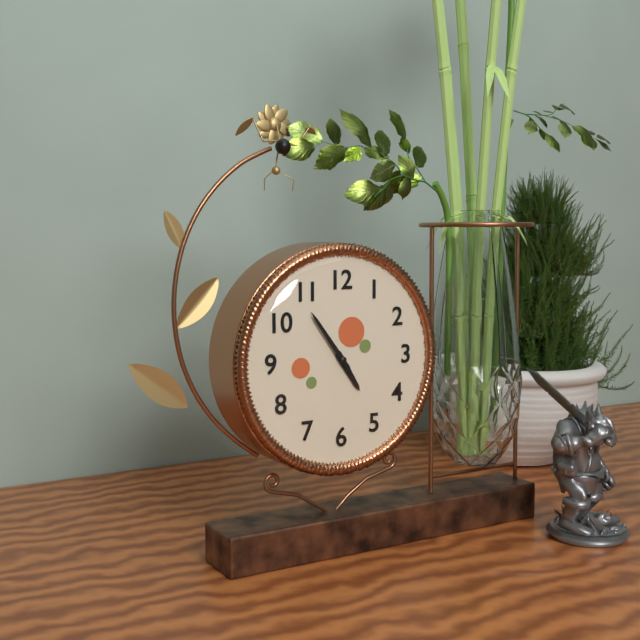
4:54
